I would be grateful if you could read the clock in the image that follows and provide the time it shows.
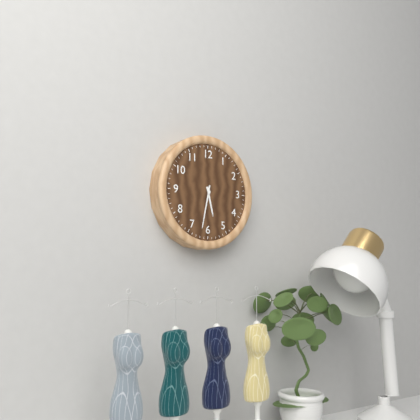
5:32
